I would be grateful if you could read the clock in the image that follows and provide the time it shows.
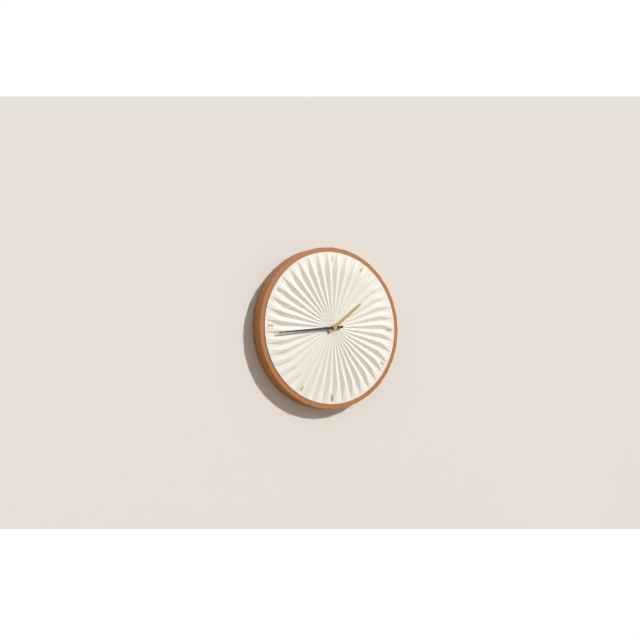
1:44
